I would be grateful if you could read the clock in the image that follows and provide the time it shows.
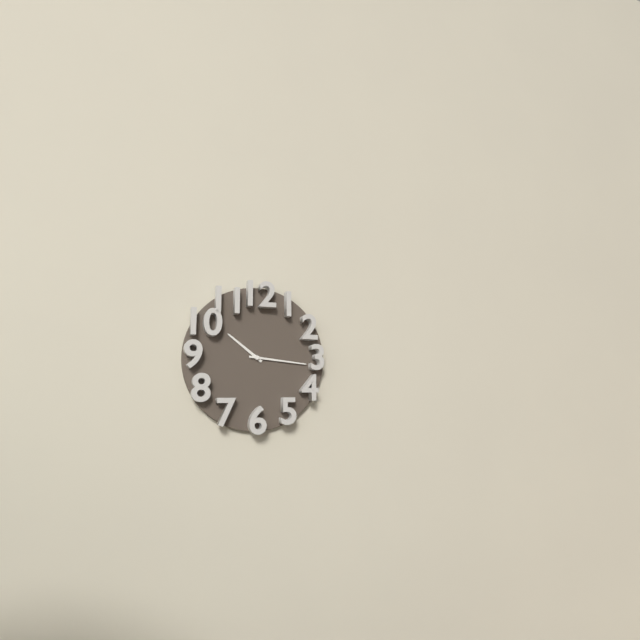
10:16
